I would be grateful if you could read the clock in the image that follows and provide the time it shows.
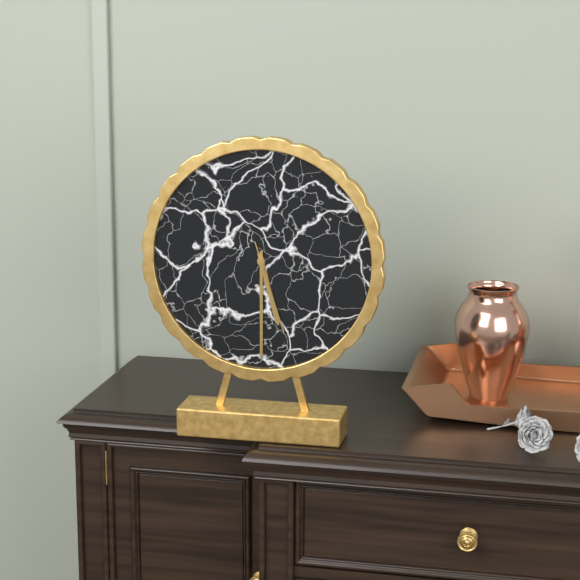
5:30:27
